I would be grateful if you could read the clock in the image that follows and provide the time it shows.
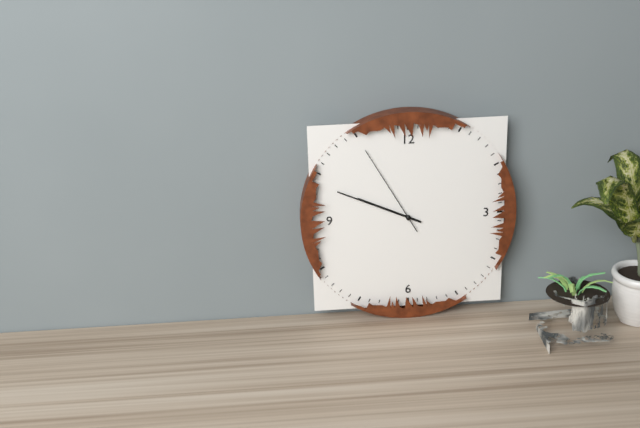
9:49:55
